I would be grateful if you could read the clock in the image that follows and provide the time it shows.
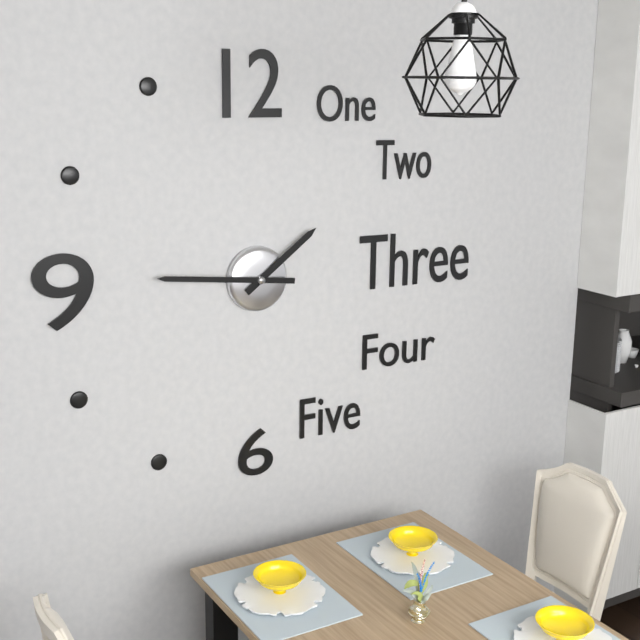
1:46
